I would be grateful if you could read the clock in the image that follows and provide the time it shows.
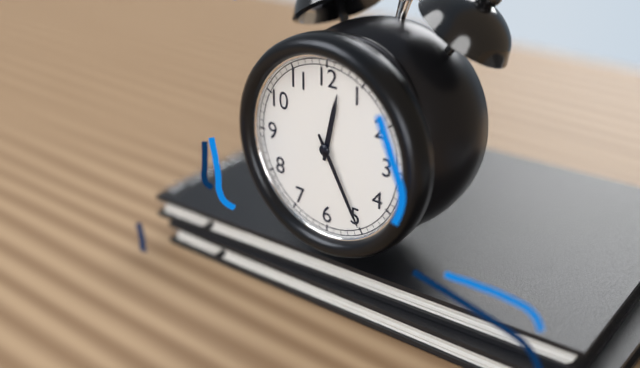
12:25
